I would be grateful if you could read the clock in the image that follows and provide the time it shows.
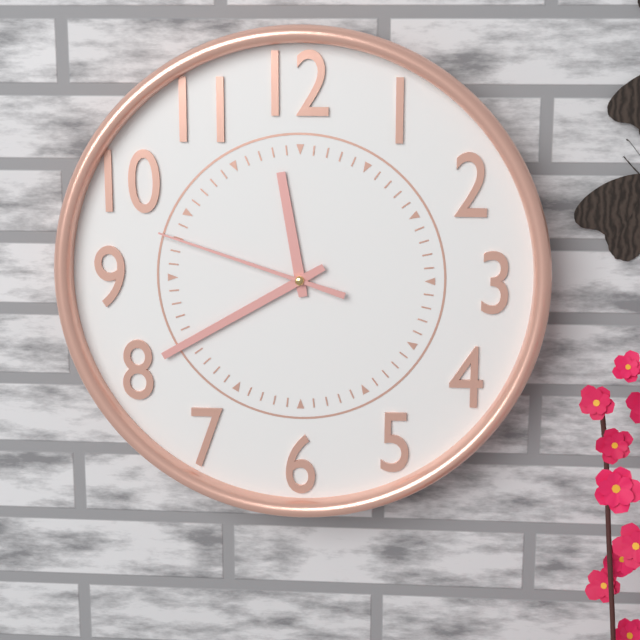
11:40:48
